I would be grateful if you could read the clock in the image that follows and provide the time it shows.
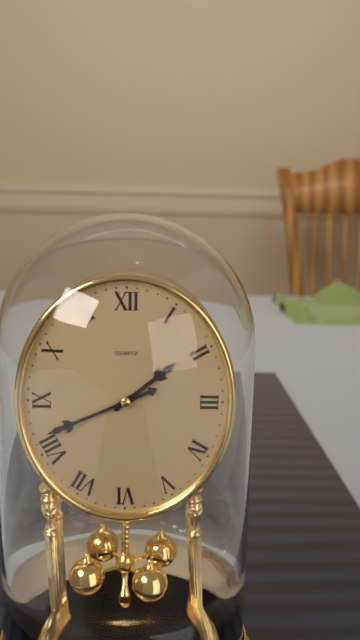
1:41
